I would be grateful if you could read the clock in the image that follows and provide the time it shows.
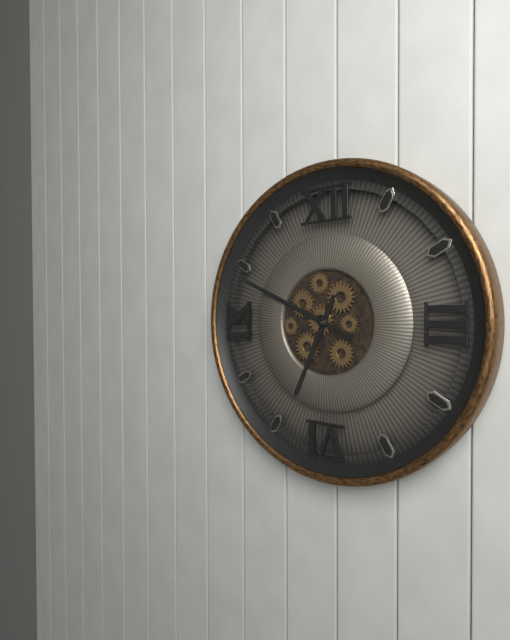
6:49
